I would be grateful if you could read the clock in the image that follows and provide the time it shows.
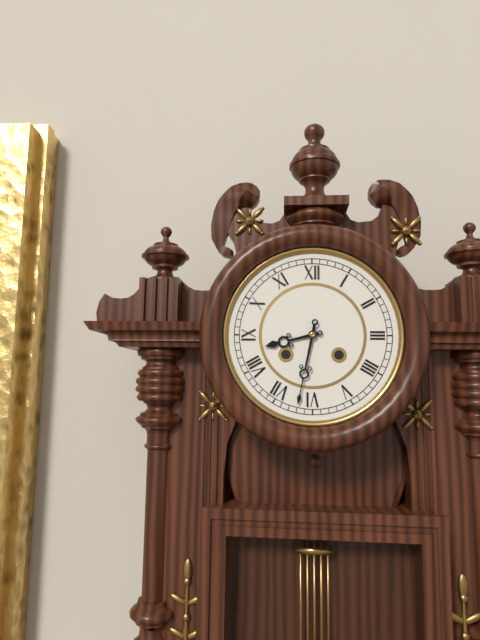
8:32
